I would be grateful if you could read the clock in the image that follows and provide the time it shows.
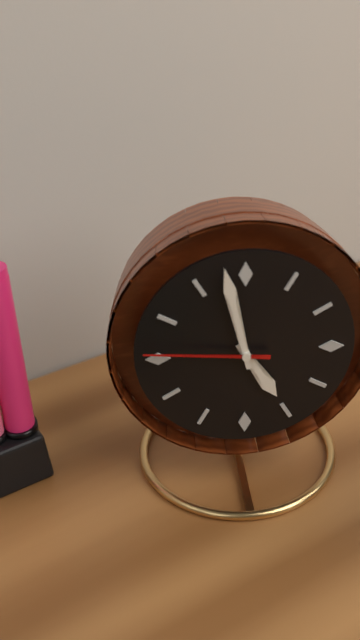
4:58:46
